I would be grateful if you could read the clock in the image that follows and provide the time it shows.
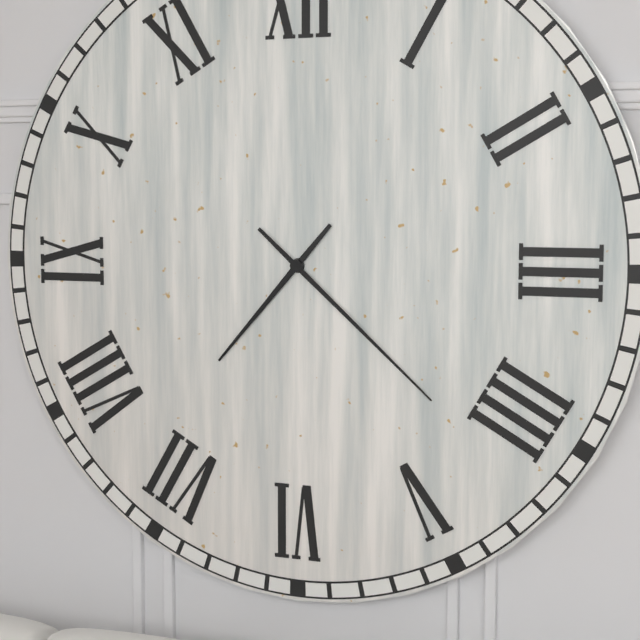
7:22
